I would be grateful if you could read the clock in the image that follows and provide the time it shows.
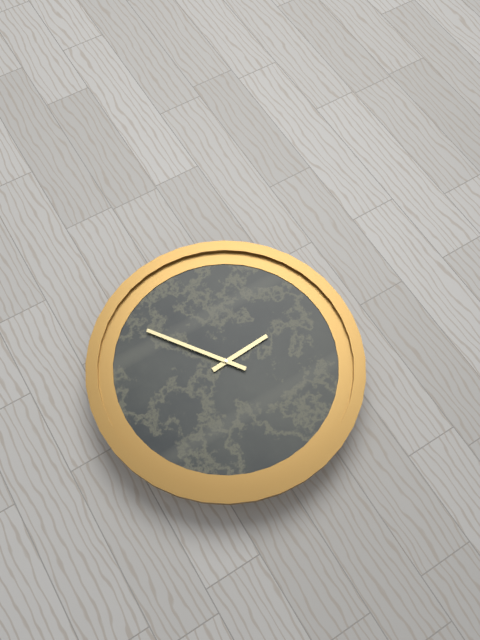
2:54
